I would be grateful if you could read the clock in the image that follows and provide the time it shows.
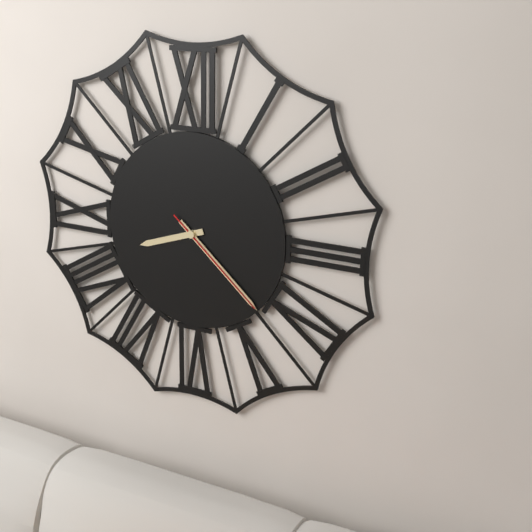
8:22:22
